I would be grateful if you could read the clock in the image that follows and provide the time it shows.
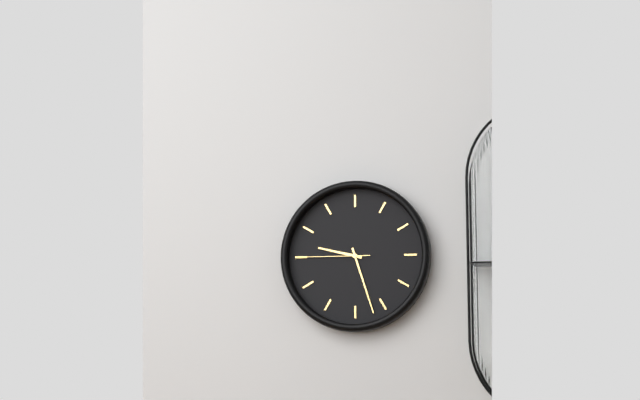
9:27:45
